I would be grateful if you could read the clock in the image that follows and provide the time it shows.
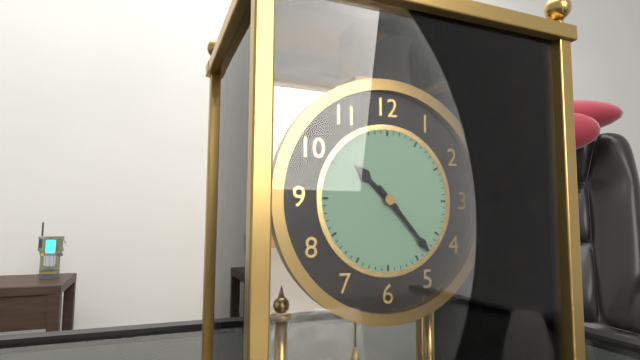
10:23
